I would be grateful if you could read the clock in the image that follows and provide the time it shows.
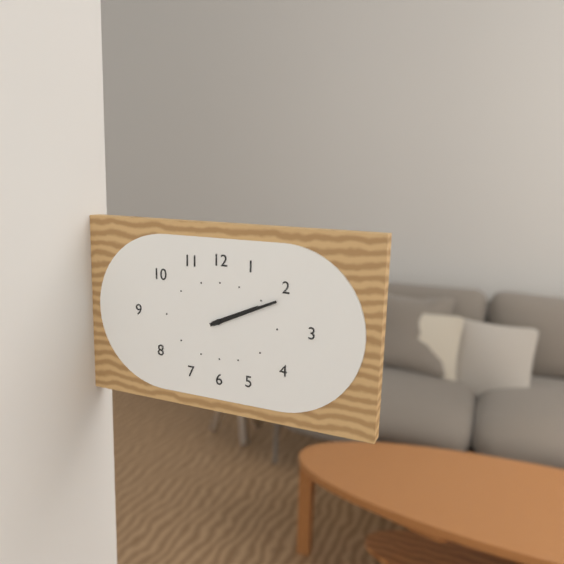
2:11
